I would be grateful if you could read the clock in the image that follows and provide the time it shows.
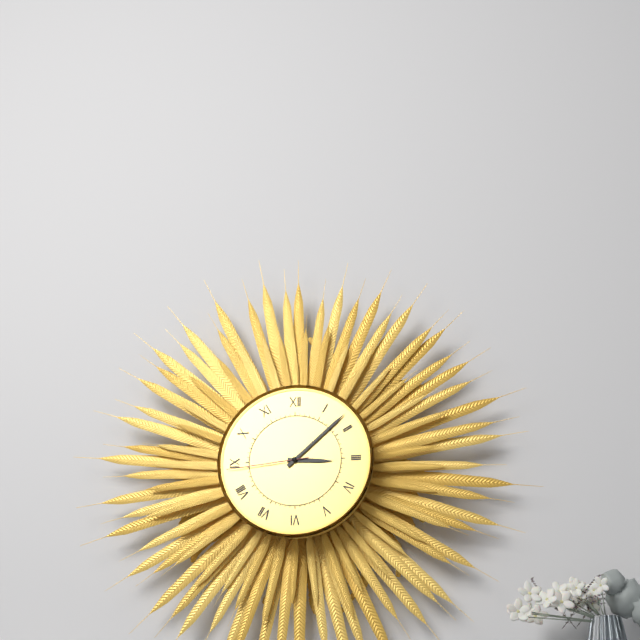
3:08:44
